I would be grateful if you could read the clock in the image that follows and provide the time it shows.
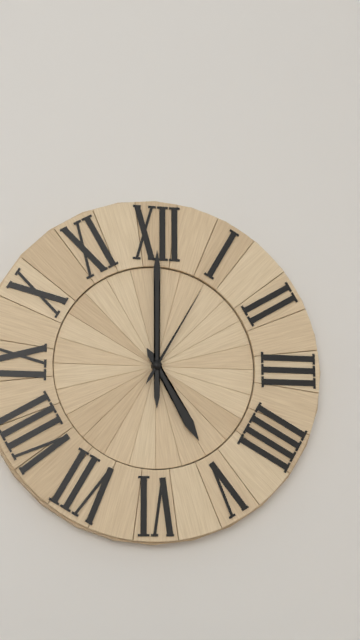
5:00:05
